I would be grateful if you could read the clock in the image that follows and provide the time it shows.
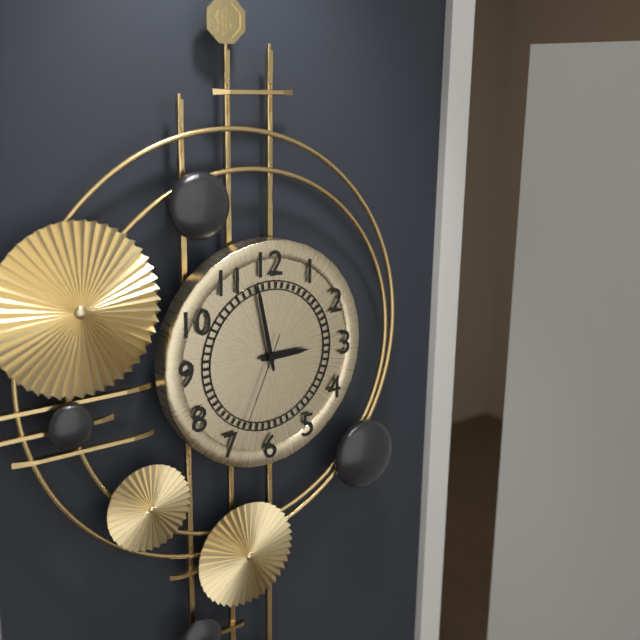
2:58:34
